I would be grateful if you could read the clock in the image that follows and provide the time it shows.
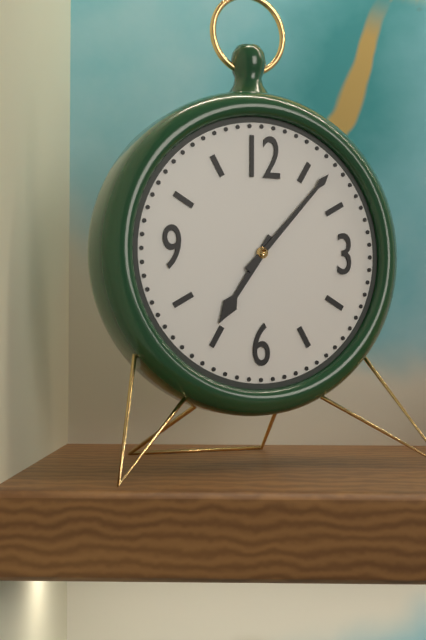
7:07
